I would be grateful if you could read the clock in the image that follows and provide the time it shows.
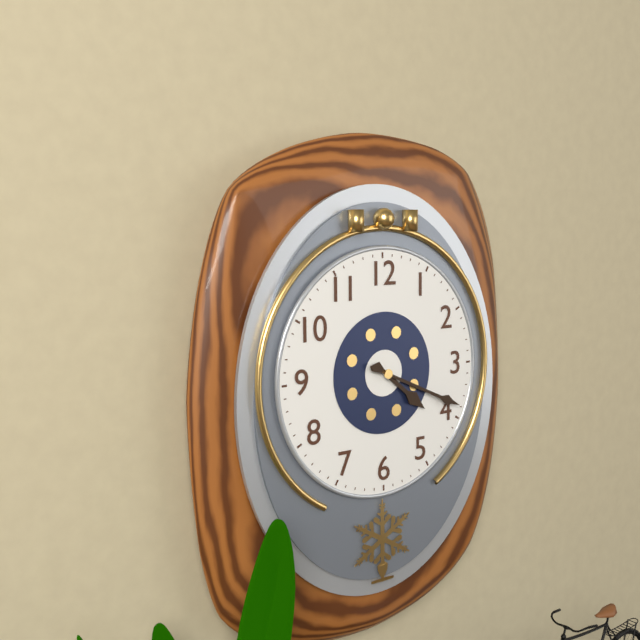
4:19
